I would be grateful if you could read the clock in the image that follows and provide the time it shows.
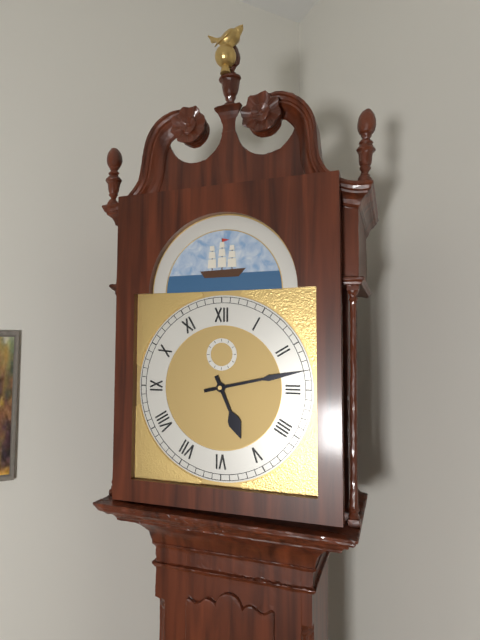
5:13
